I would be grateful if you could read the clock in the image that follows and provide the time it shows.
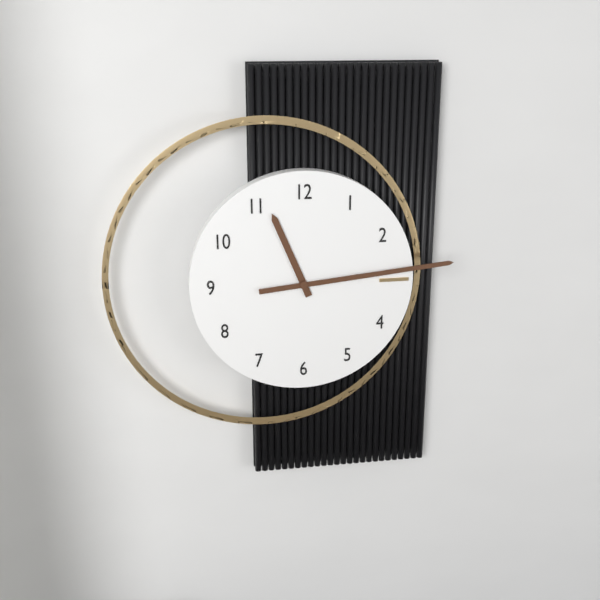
11:14
